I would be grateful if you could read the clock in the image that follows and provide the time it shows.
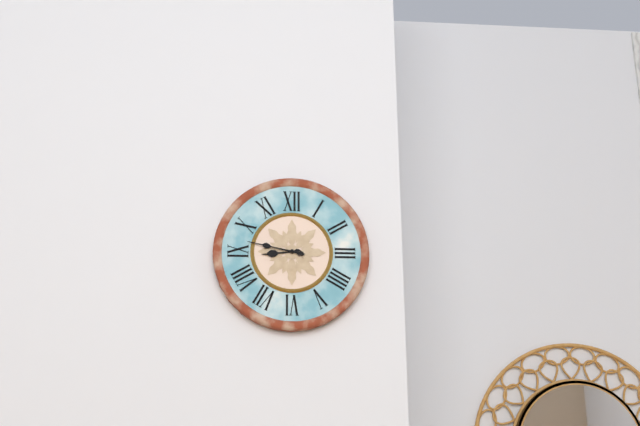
8:47
